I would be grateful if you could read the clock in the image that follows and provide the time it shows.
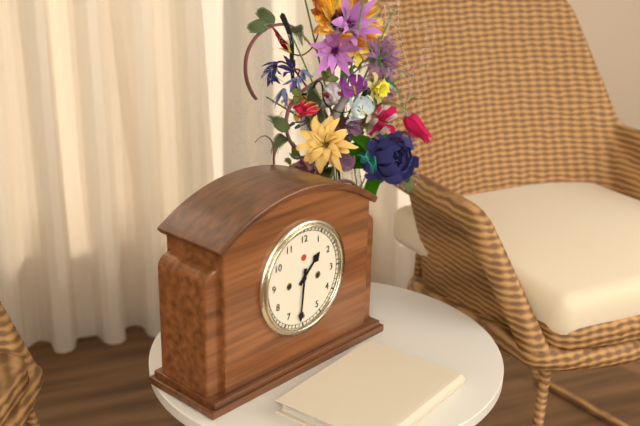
1:31
